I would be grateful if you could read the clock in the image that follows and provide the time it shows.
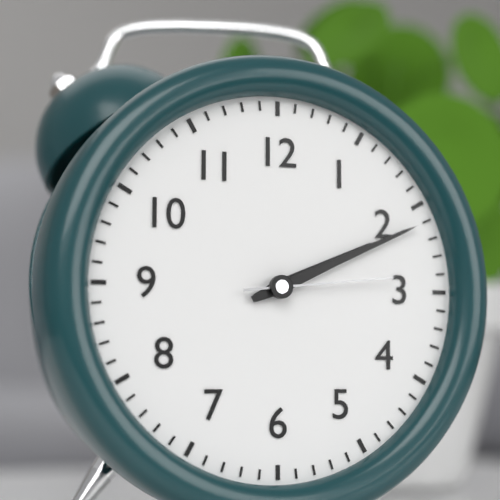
2:11:14
